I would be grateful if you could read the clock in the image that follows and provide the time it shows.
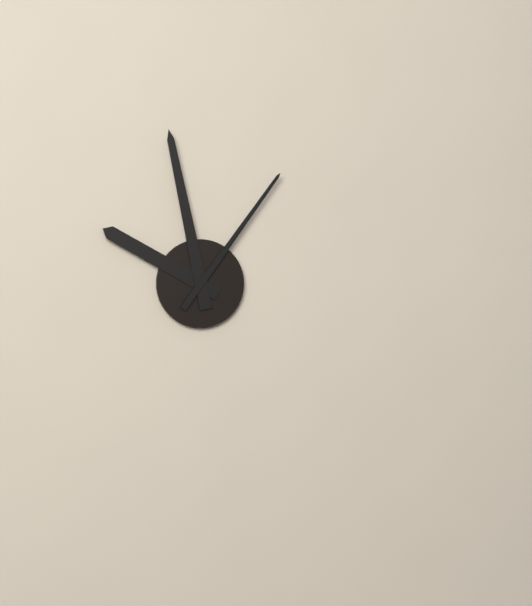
9:58:06
